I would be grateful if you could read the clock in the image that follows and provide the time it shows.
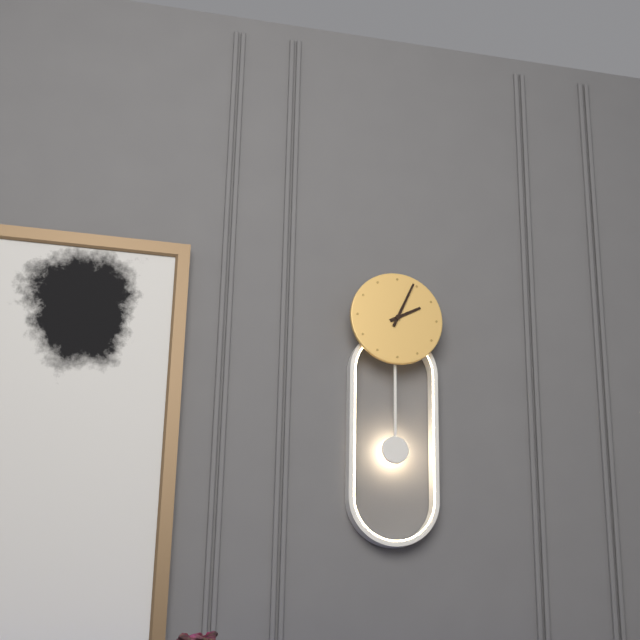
2:04
